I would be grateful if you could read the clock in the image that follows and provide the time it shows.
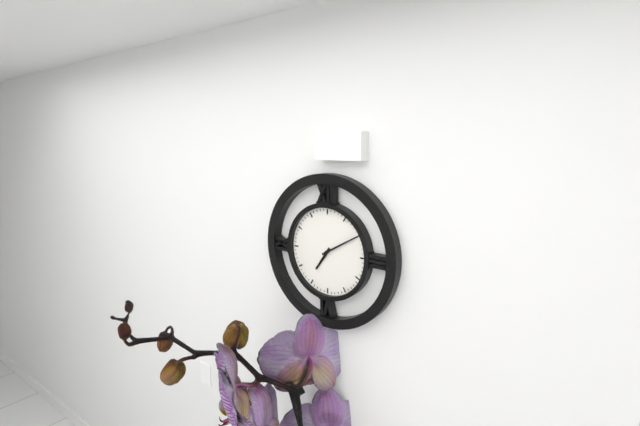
7:10
